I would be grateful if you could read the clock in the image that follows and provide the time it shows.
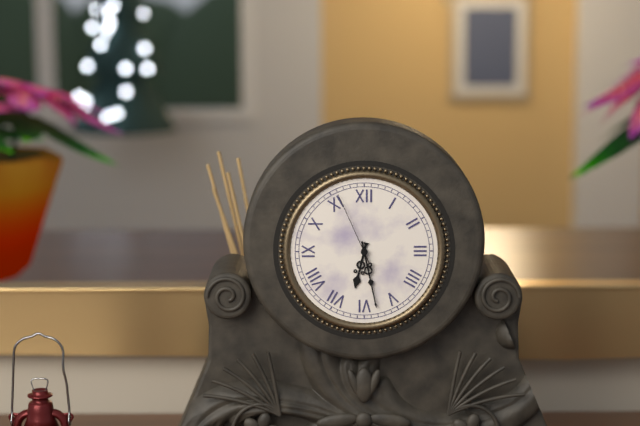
6:28:56
